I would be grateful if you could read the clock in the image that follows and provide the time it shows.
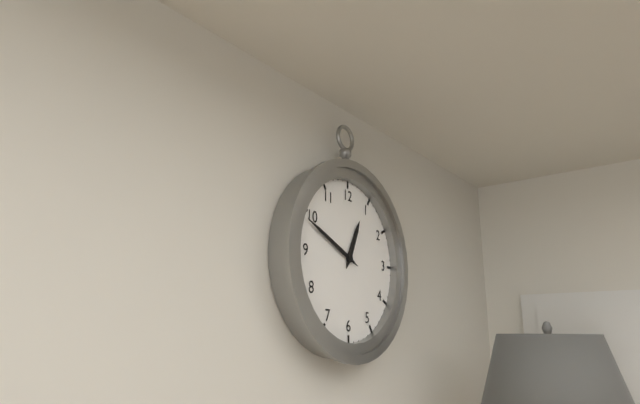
12:49
